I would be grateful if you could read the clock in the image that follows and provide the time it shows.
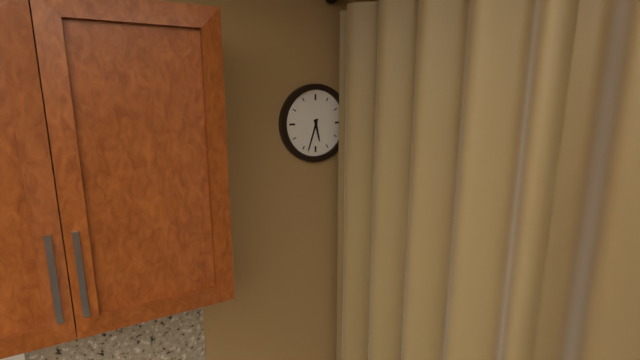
5:33
